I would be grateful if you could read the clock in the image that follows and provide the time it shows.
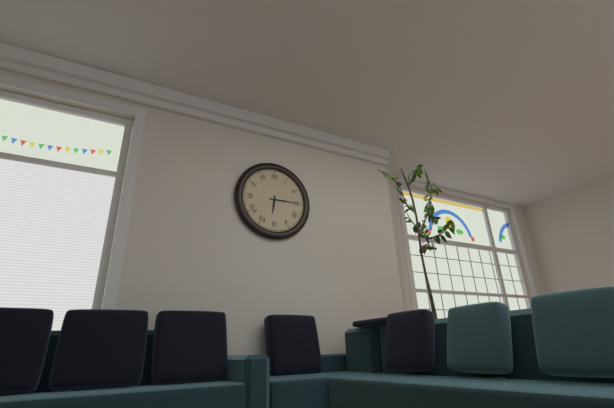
6:15
